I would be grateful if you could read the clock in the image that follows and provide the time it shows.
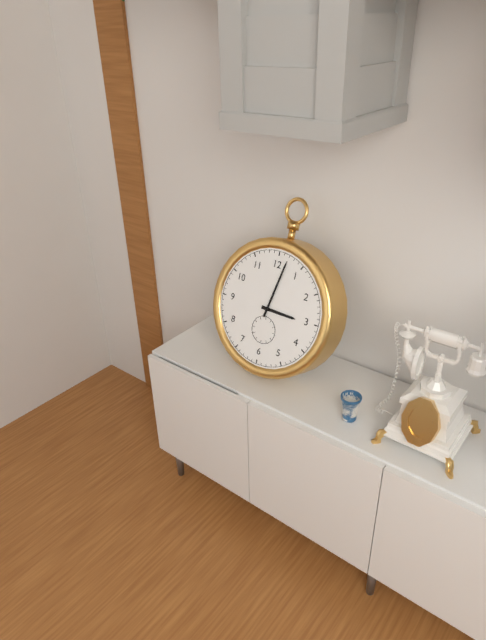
3:02
